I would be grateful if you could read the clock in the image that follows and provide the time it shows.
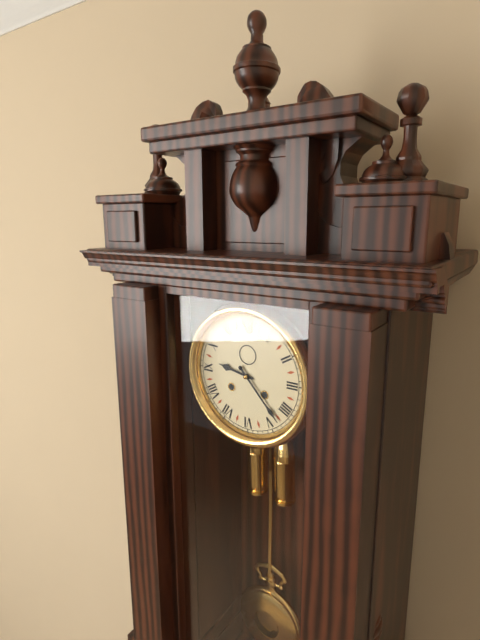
9:23
